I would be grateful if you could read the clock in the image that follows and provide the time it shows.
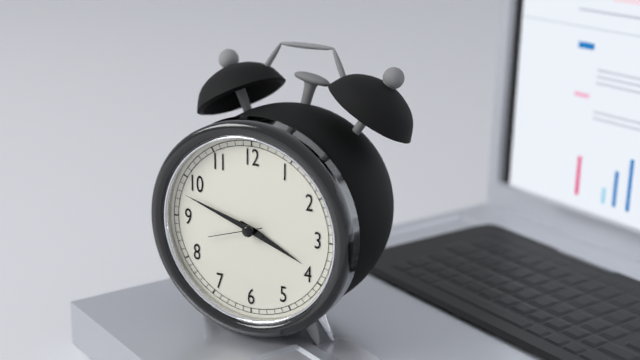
3:48:42
